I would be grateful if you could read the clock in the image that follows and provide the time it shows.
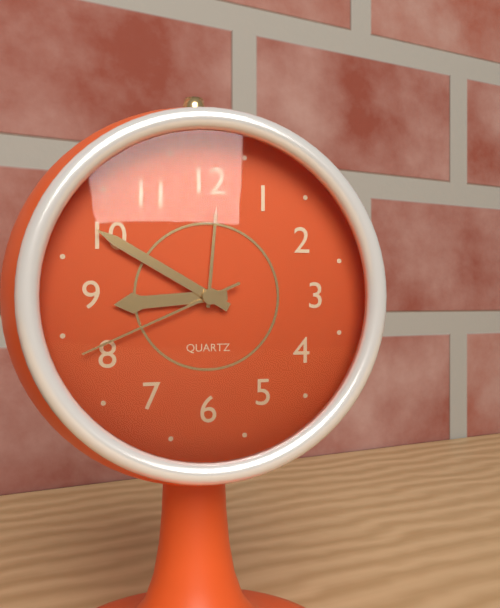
8:50:41
